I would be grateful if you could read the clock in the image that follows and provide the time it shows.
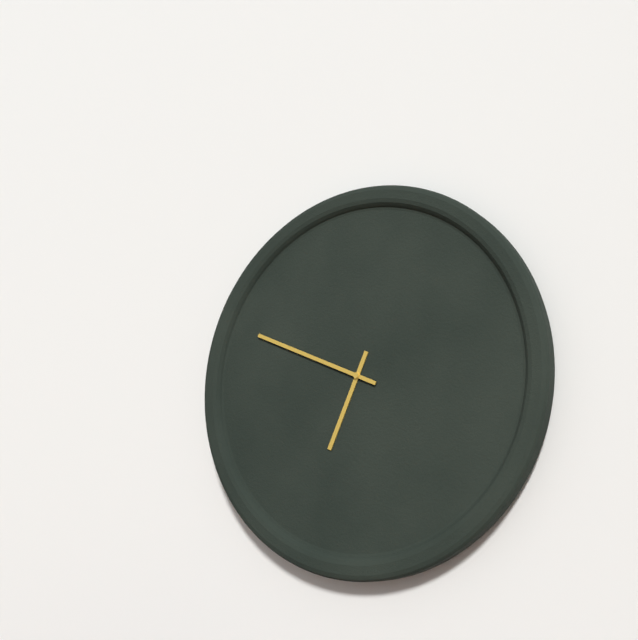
6:49
